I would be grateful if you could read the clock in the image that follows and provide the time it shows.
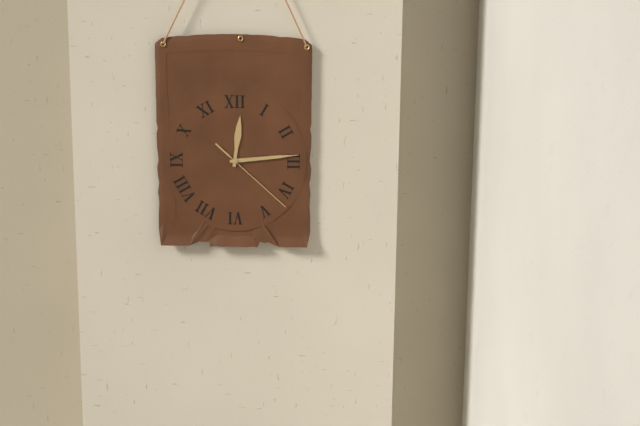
12:14:22
